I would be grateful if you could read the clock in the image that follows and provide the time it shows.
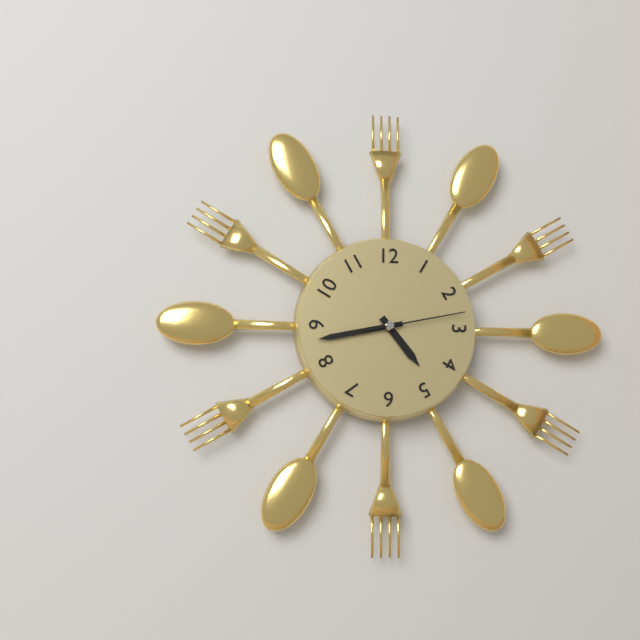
4:43:13
